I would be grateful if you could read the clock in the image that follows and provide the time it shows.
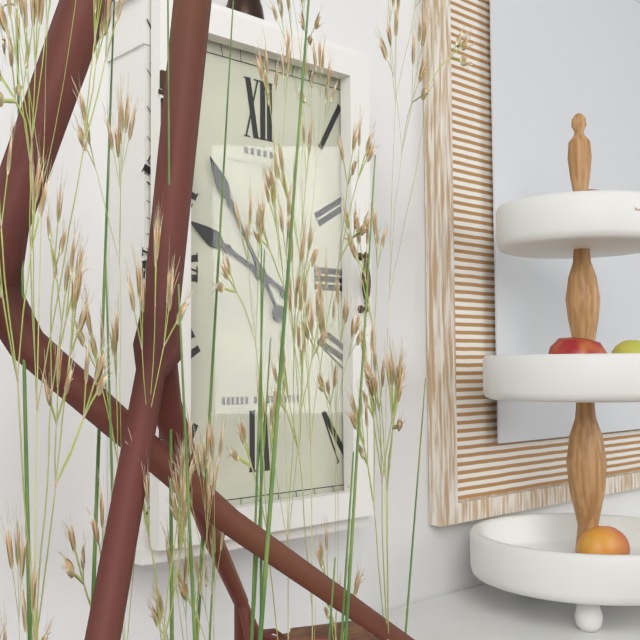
9:55
